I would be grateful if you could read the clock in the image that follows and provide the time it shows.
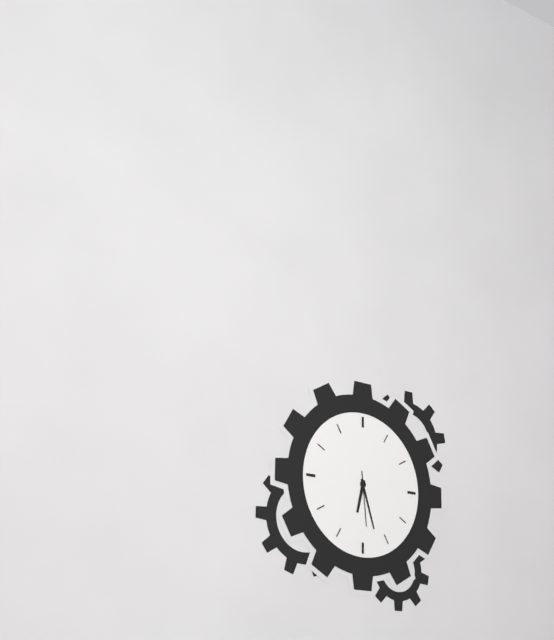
6:27:29
